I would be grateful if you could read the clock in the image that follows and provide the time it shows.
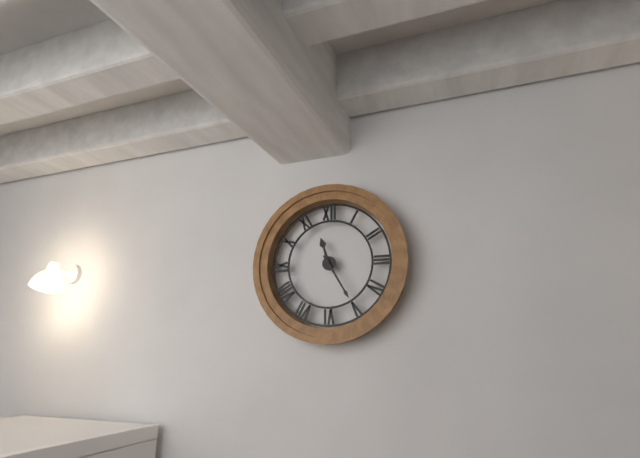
11:25
